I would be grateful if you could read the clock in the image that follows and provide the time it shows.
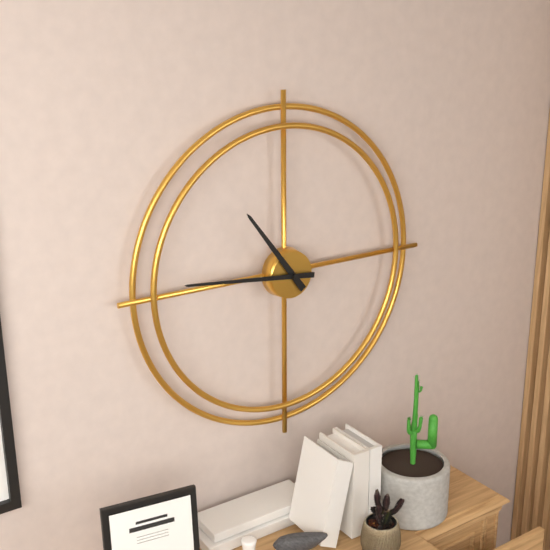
10:46
